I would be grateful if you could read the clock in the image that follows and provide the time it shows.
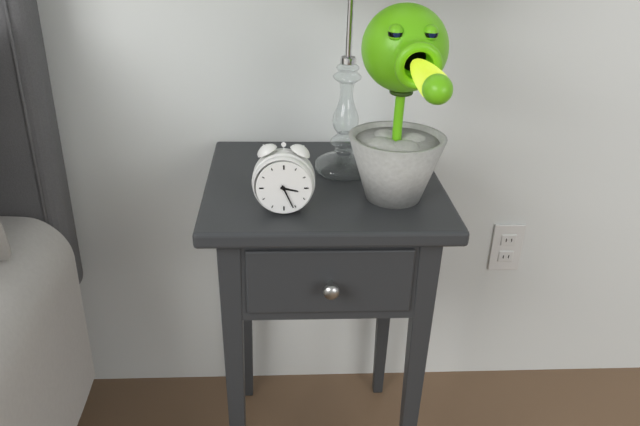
3:26
